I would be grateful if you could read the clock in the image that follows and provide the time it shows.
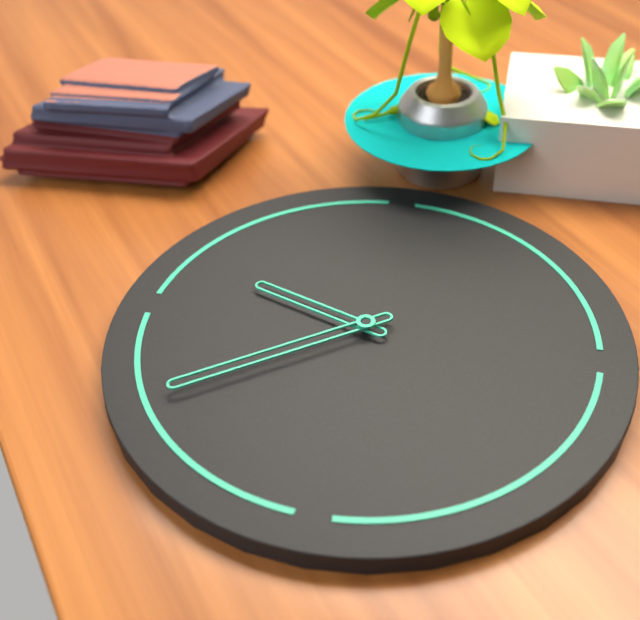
9:39
